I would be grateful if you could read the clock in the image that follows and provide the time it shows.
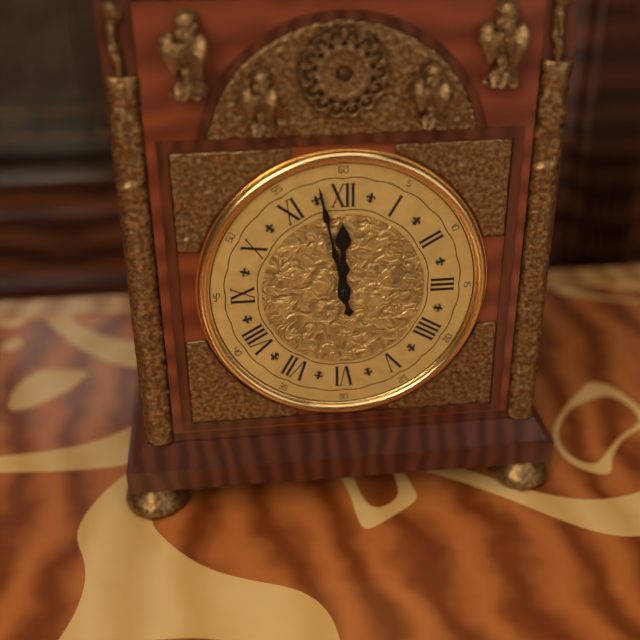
11:58
